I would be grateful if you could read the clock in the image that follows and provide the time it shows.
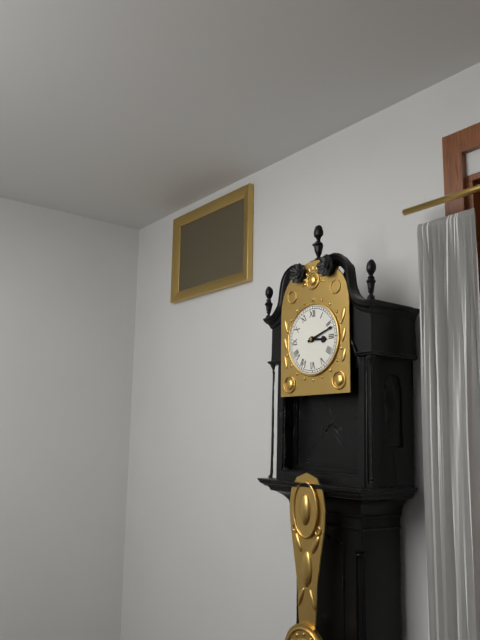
3:12
